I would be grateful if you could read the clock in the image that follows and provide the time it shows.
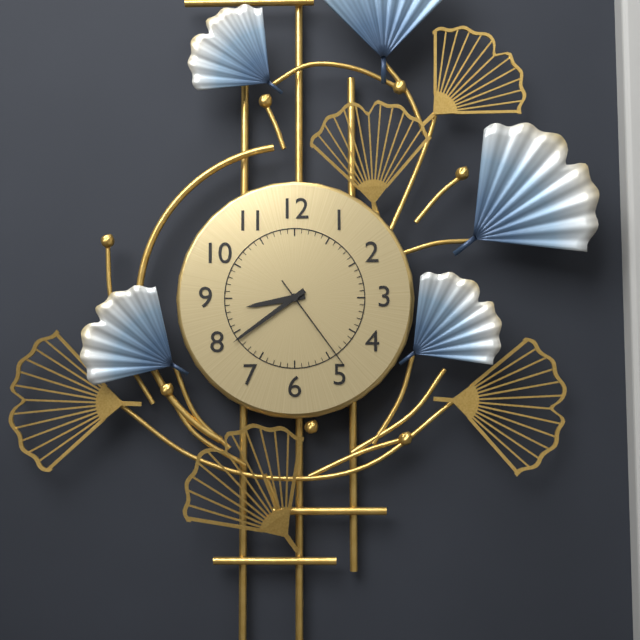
8:39:24
